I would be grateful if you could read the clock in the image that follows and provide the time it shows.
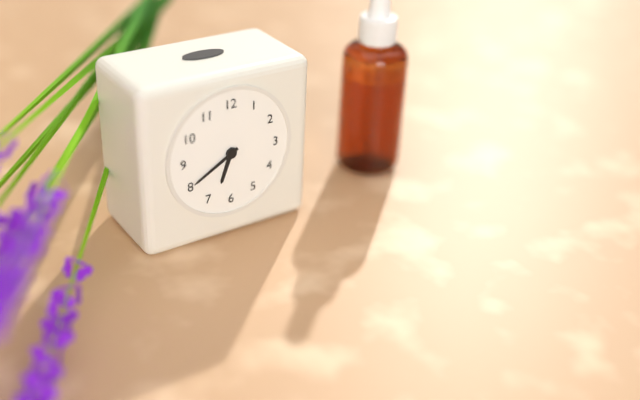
6:40
